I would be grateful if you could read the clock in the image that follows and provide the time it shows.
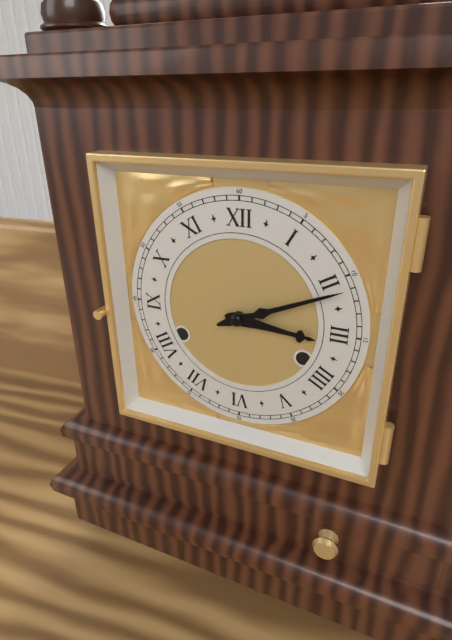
3:11
